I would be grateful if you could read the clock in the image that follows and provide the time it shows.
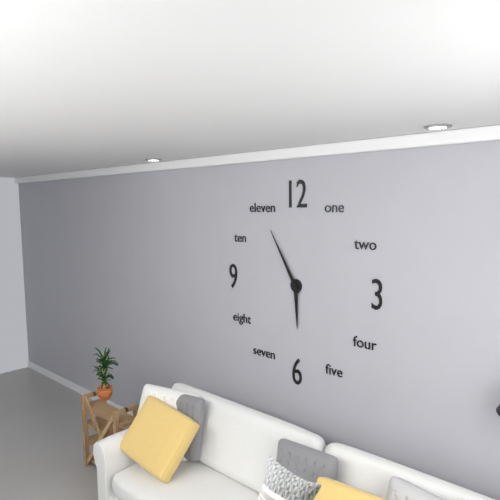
5:55
